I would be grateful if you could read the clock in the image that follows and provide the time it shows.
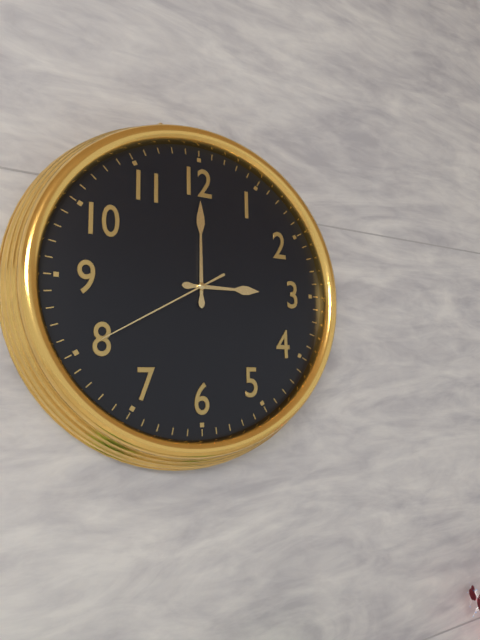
3:00:40
